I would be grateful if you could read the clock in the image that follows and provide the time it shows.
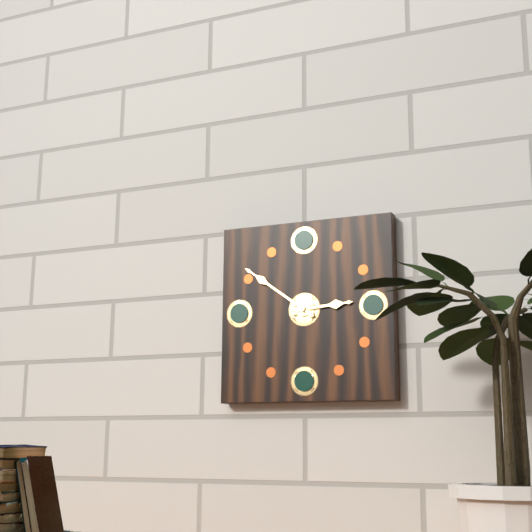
2:51
